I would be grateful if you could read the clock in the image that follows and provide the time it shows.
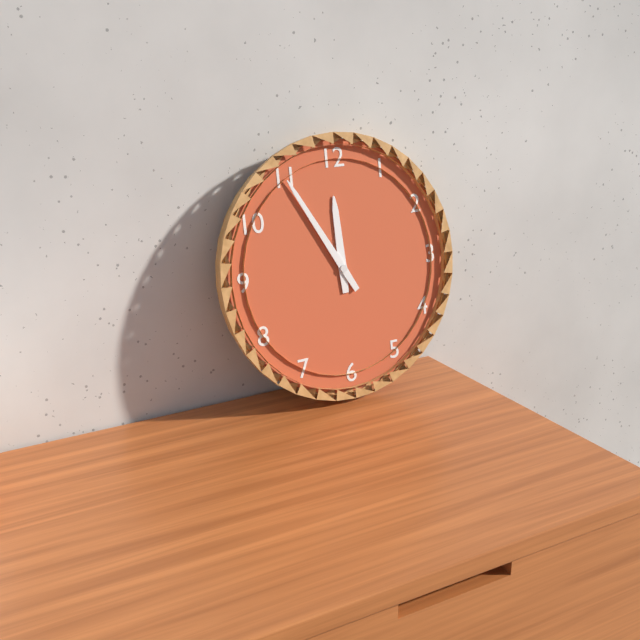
11:55
